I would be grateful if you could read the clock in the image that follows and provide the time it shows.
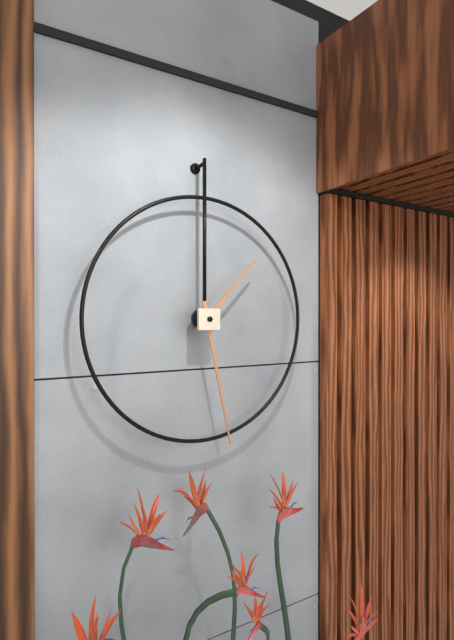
1:28
